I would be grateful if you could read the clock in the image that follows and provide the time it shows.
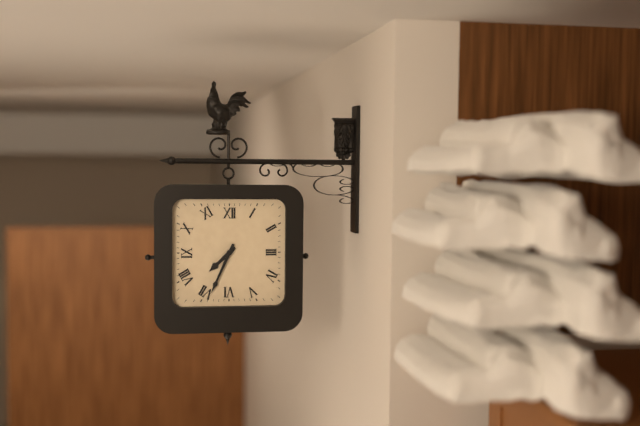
7:34
